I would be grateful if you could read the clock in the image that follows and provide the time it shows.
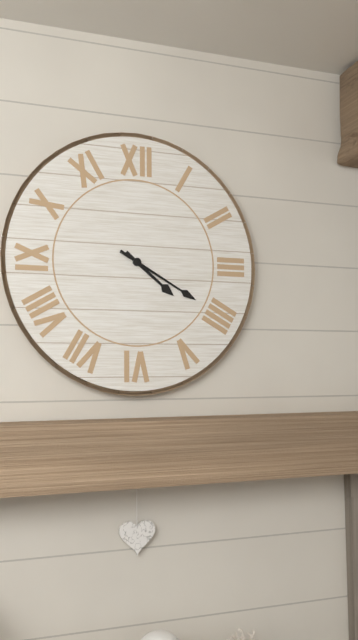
4:20
